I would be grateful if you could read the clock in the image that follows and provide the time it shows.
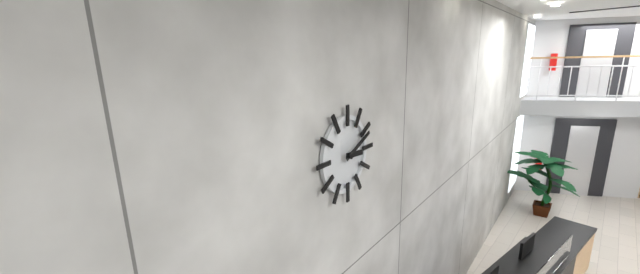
3:11
